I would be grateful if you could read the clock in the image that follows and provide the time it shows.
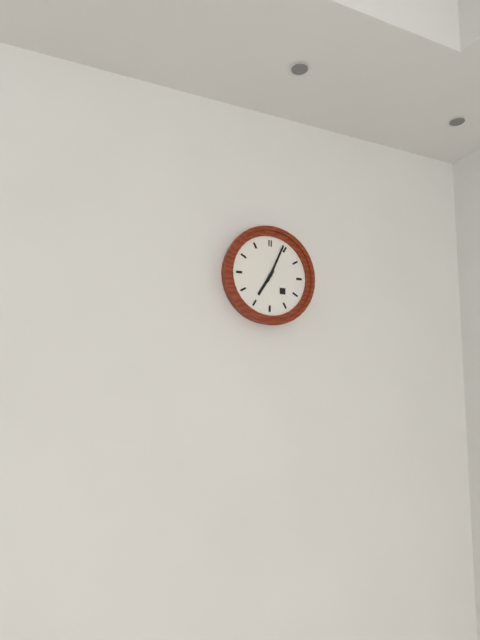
7:04
